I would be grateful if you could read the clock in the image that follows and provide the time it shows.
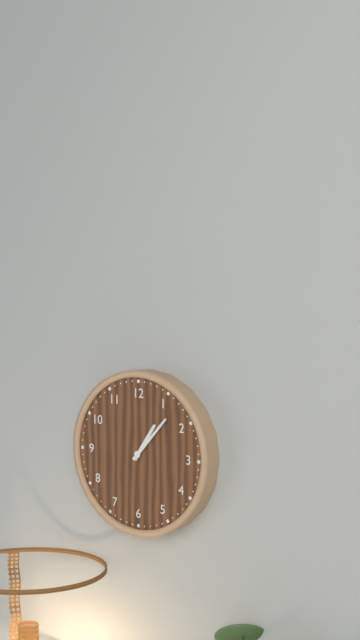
1:07
